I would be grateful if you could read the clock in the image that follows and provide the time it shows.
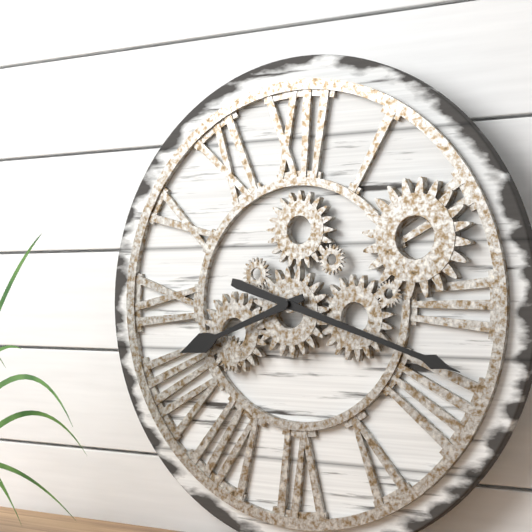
8:18
